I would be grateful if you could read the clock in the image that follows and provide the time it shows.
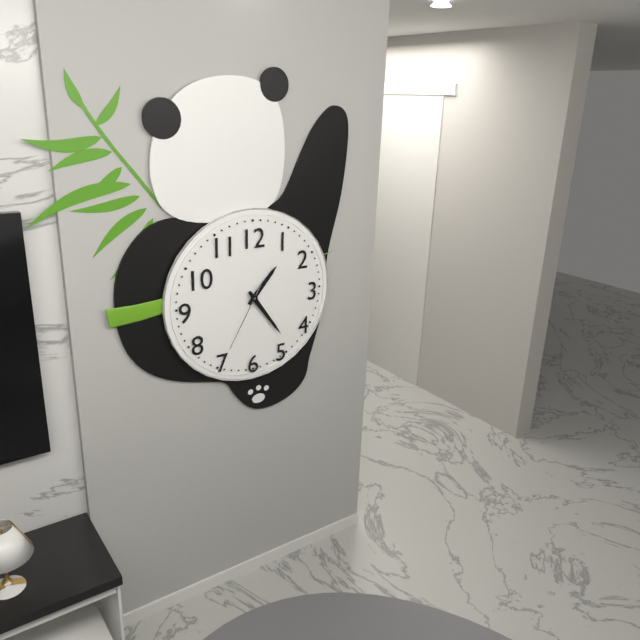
1:24:35
